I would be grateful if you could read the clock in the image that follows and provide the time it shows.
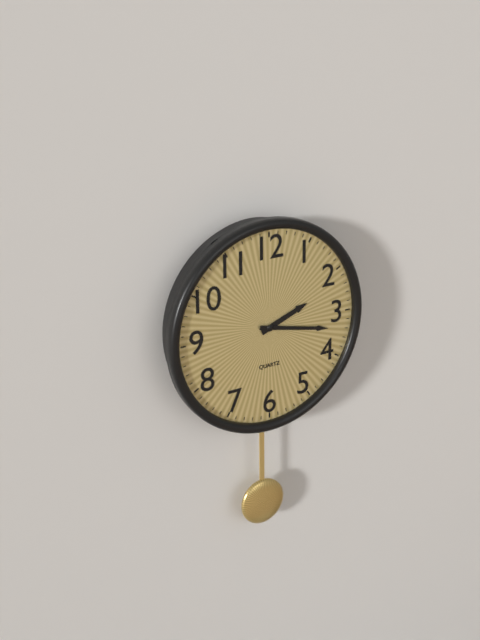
2:17
